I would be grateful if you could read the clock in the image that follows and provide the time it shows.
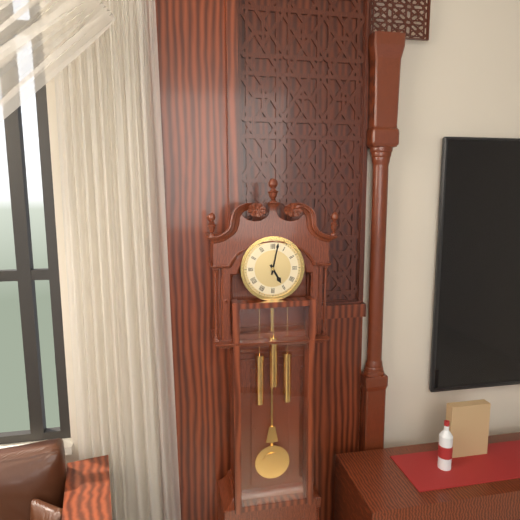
5:02
